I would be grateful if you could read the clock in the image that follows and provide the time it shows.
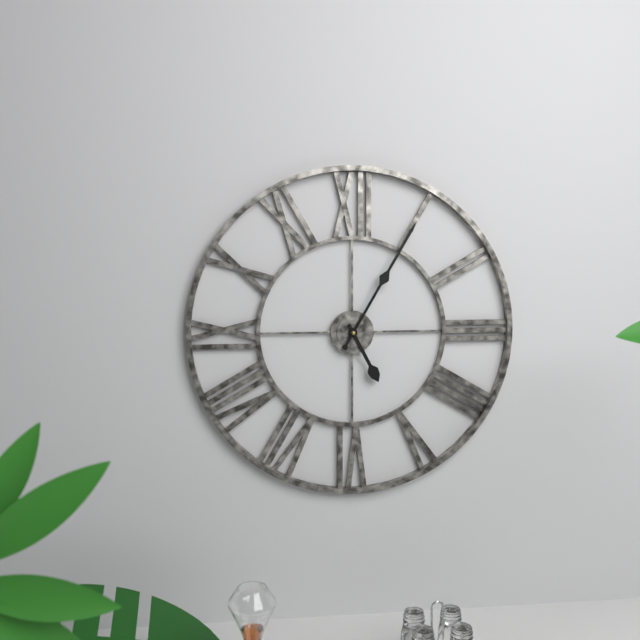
5:05
